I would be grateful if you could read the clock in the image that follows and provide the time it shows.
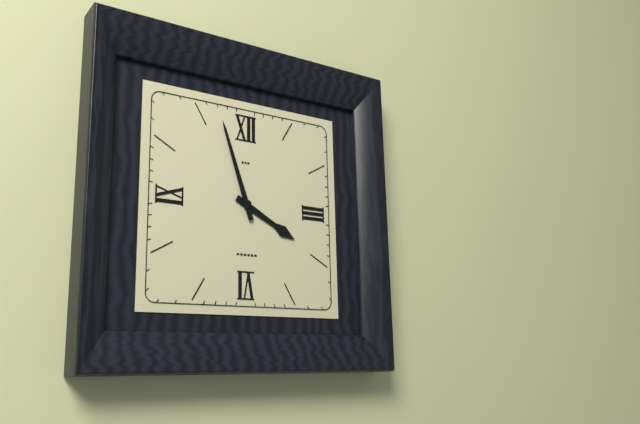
3:57
